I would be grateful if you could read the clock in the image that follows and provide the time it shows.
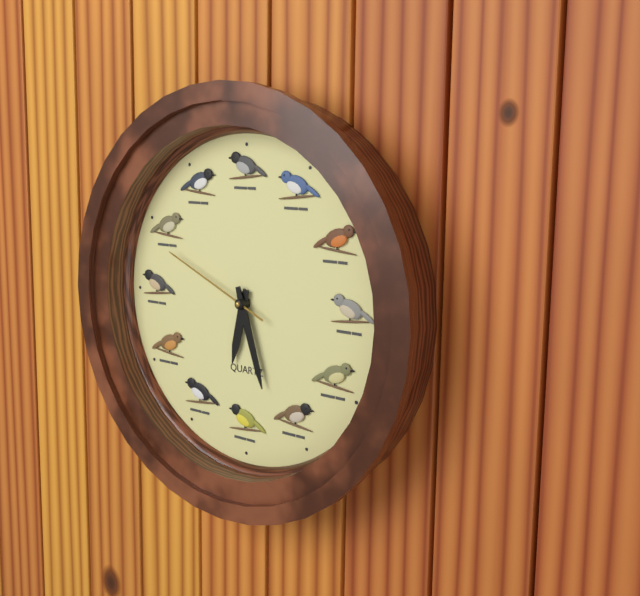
6:27:49
